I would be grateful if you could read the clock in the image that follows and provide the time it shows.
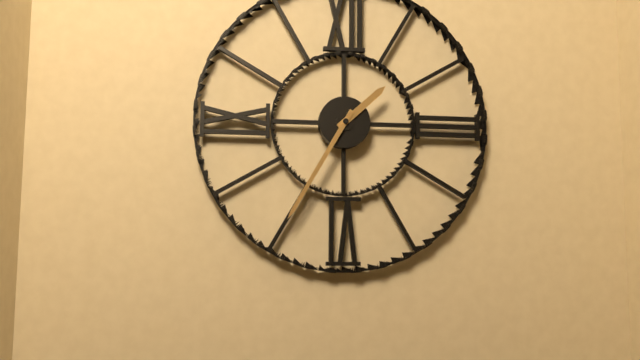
1:35
